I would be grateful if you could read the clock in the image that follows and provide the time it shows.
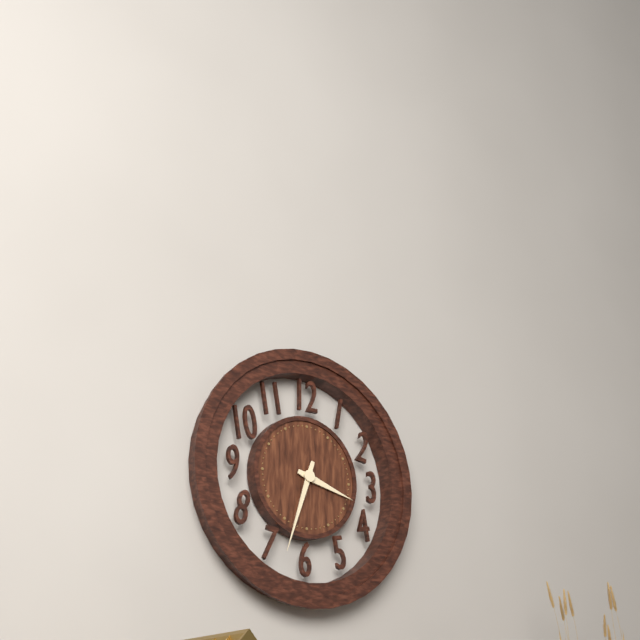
3:33
